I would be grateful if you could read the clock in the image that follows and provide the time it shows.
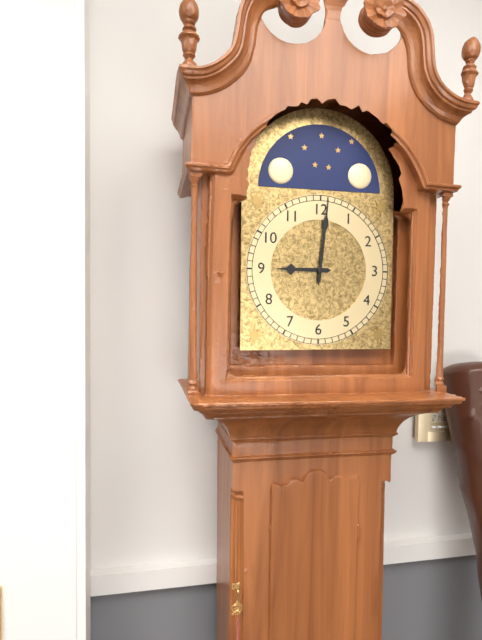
9:01
